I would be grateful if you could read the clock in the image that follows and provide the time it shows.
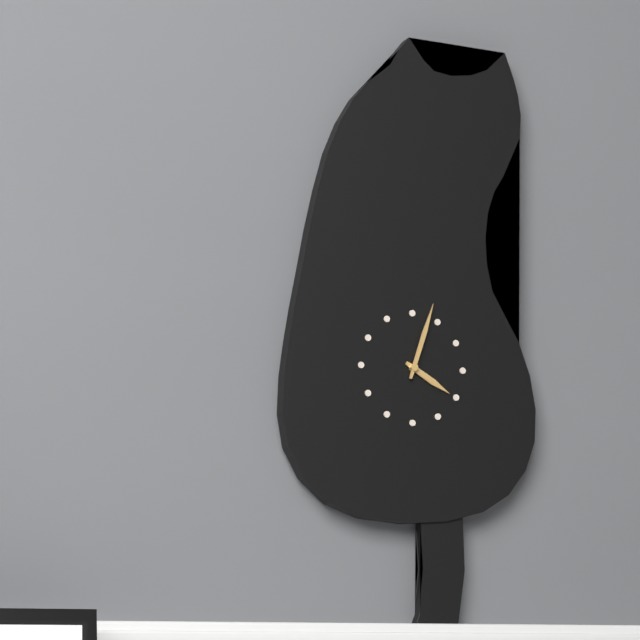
4:03
